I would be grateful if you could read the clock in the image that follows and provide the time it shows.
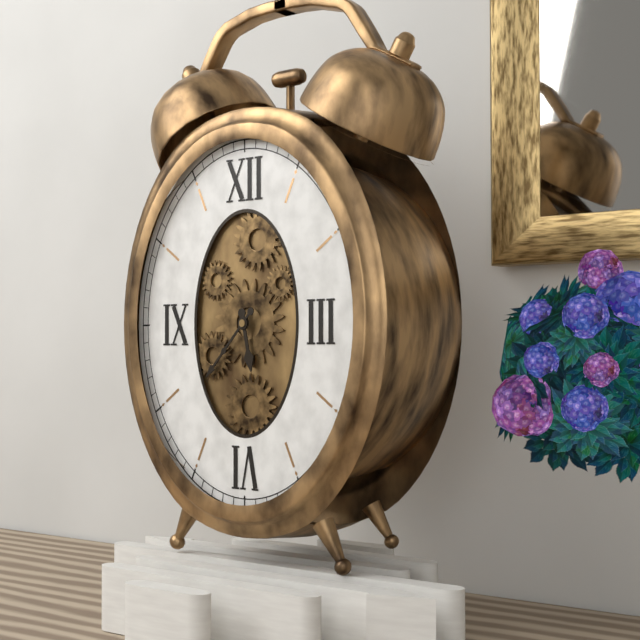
5:37
